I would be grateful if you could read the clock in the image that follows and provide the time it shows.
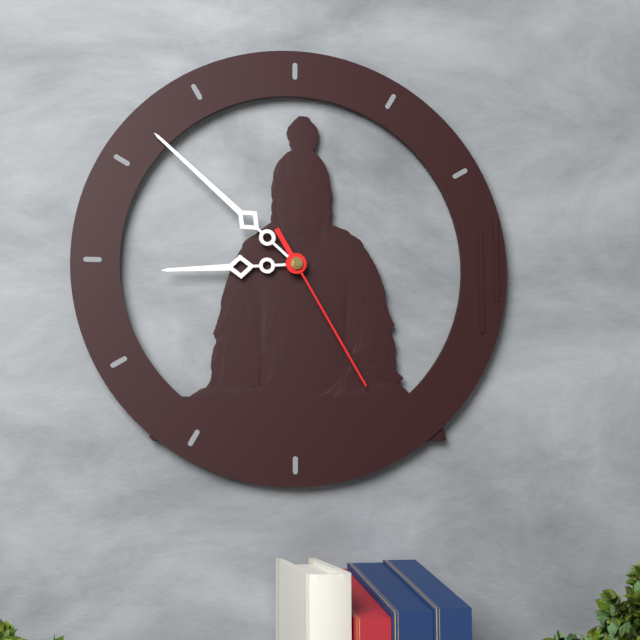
8:52:25
